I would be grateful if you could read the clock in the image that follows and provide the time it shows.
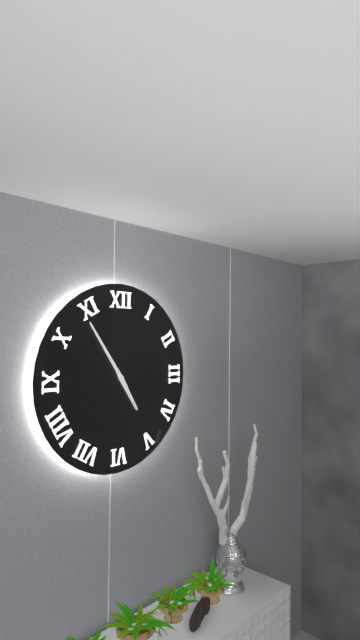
4:54
